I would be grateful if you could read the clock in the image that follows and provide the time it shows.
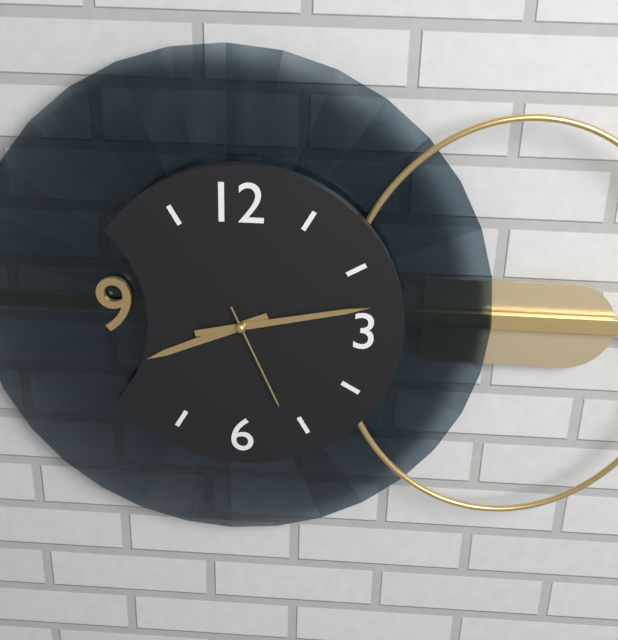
8:13:26
